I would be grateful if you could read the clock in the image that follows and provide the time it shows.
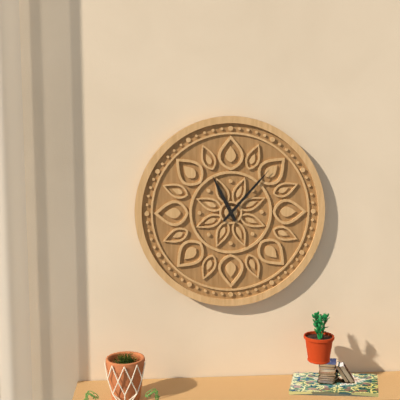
11:07
